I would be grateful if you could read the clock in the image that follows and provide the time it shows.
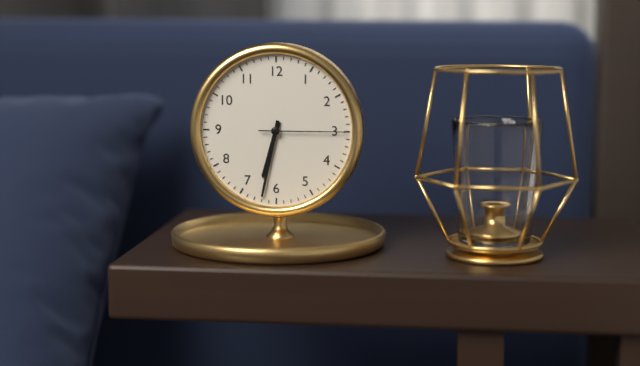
6:32:15
